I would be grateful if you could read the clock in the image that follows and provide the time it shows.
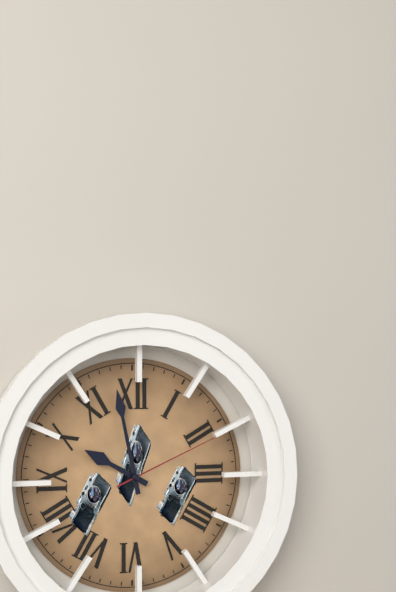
9:58:11
